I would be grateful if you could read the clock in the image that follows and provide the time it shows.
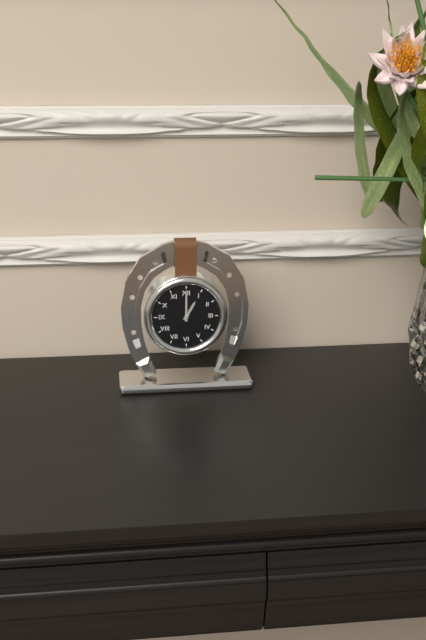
1:00
